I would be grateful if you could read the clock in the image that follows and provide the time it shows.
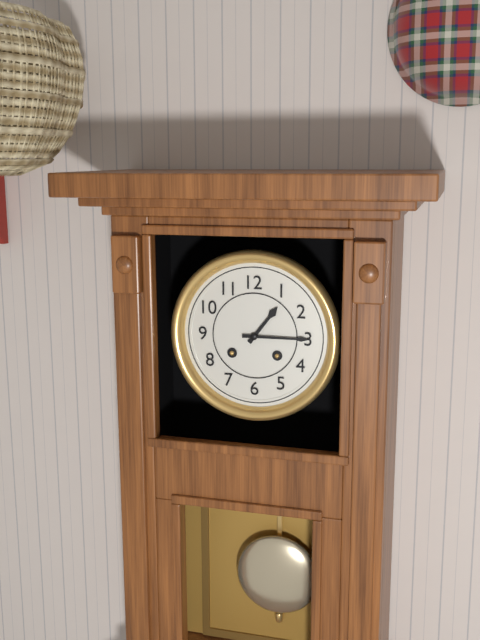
1:15
